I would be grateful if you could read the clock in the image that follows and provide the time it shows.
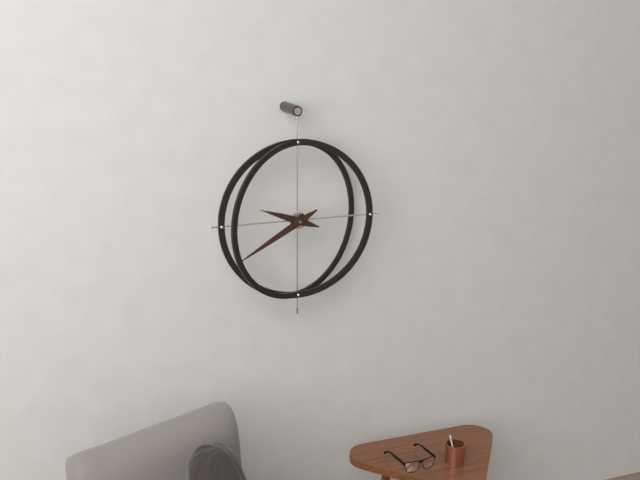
9:40
